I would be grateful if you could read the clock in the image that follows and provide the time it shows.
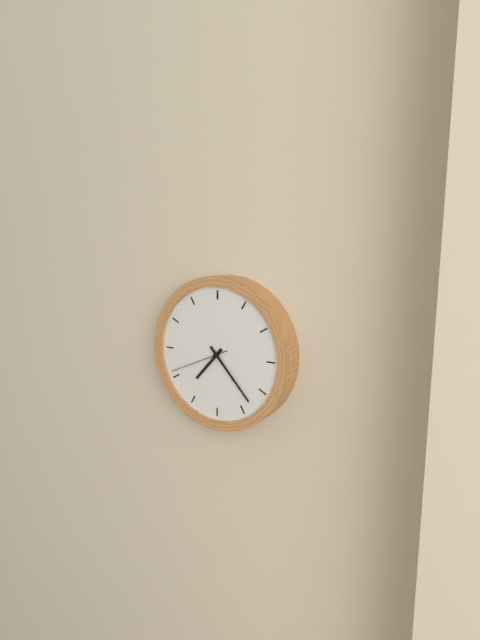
7:23:41
